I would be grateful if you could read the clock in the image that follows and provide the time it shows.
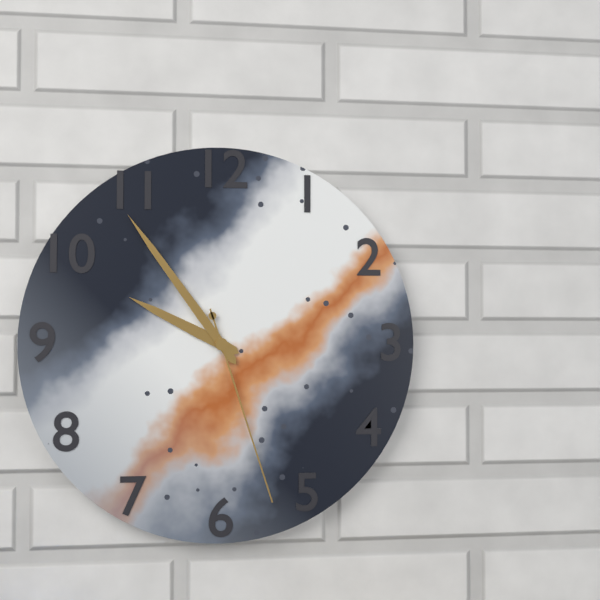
9:54:27
